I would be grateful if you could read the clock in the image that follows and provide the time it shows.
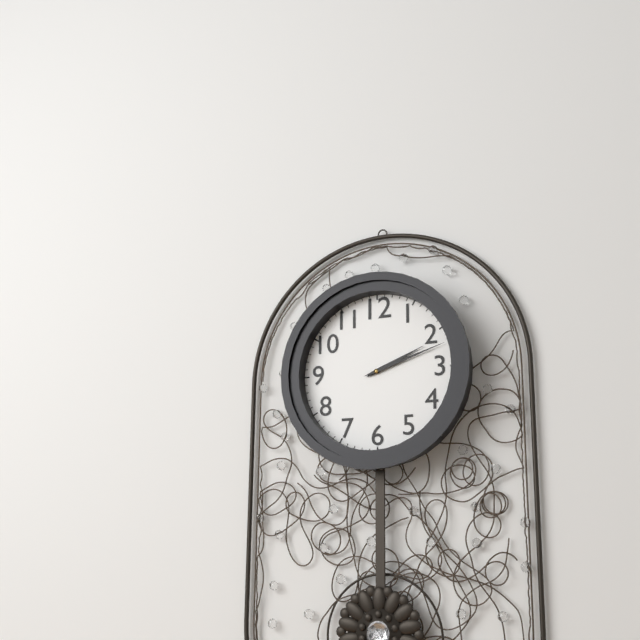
2:12
